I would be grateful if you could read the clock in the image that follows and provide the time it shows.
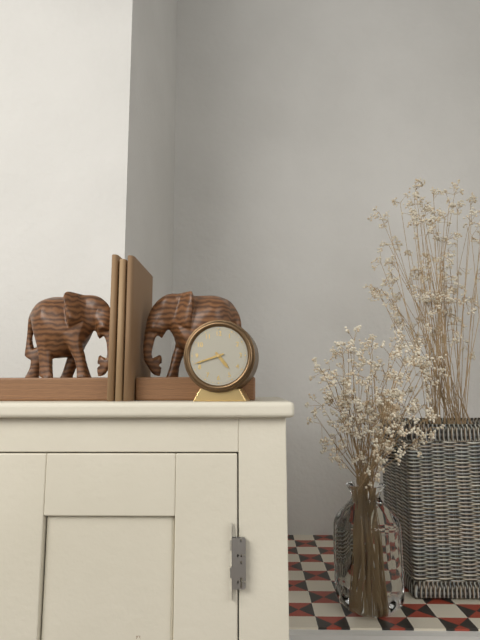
4:42
